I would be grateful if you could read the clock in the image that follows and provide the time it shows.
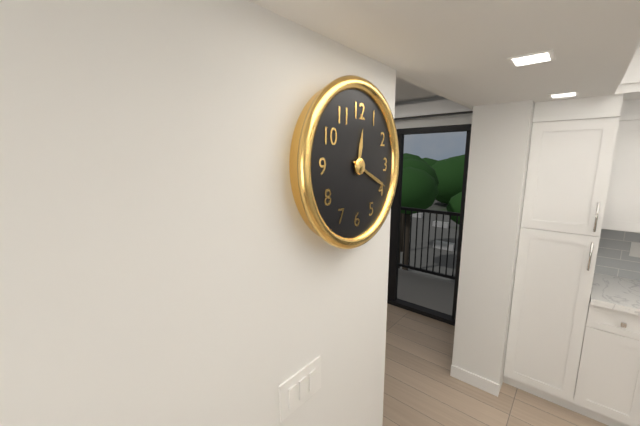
12:19
